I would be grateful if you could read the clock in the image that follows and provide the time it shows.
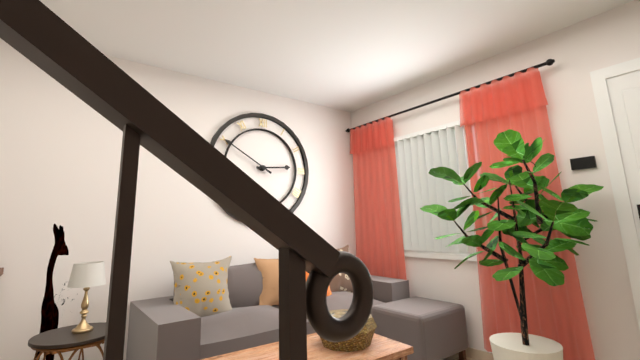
2:50
